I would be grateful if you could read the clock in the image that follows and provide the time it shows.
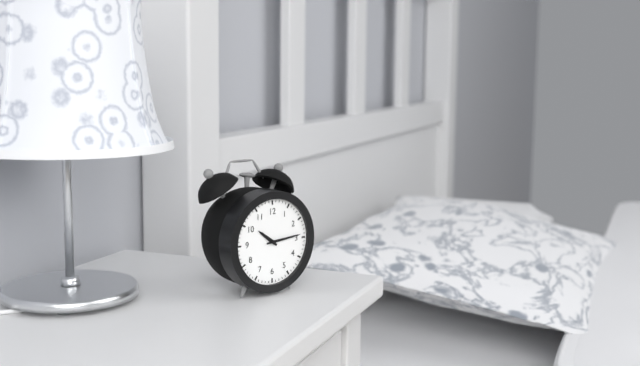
10:14
